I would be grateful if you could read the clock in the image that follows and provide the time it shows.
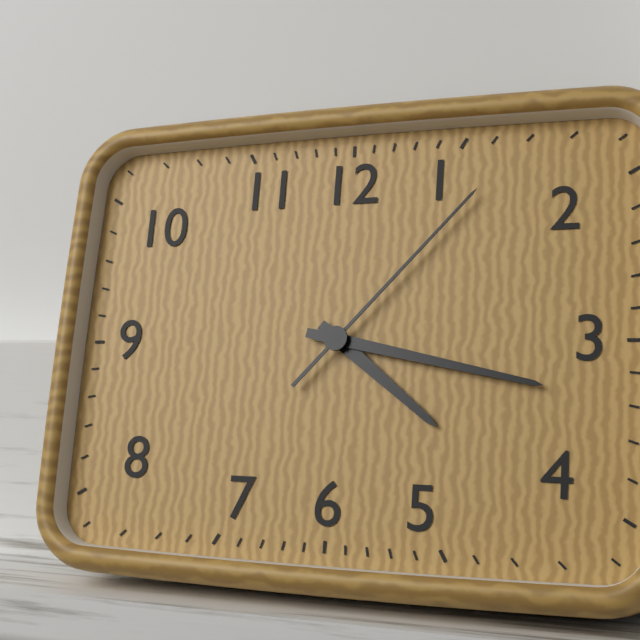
4:17:07
